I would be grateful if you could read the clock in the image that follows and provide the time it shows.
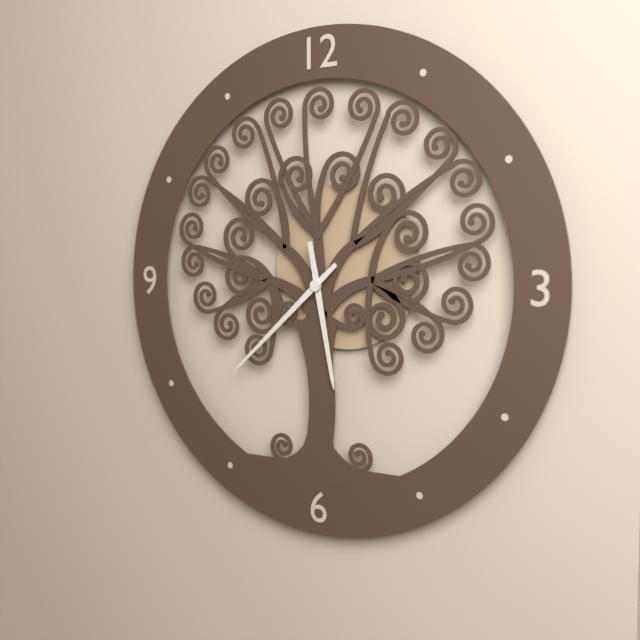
5:38
